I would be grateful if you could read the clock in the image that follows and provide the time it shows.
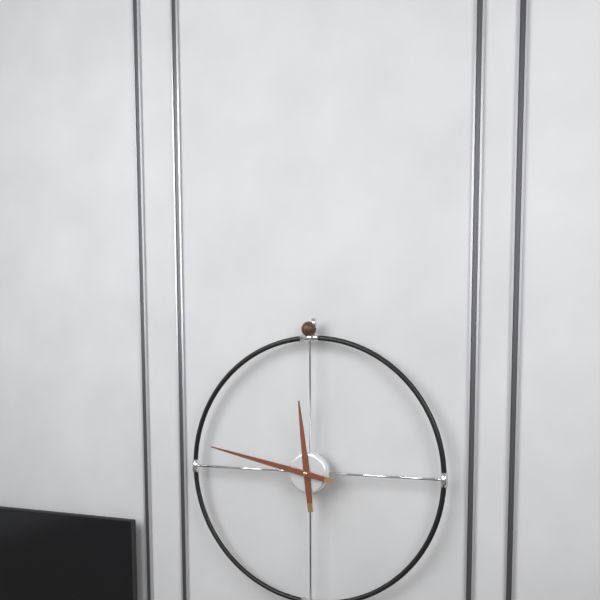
11:47
